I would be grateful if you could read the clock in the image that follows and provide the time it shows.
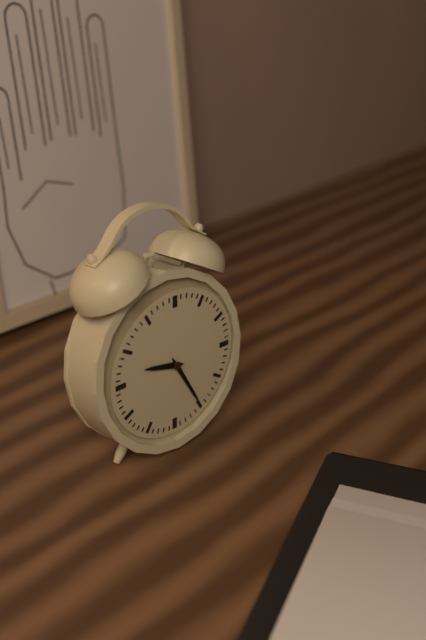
9:25
